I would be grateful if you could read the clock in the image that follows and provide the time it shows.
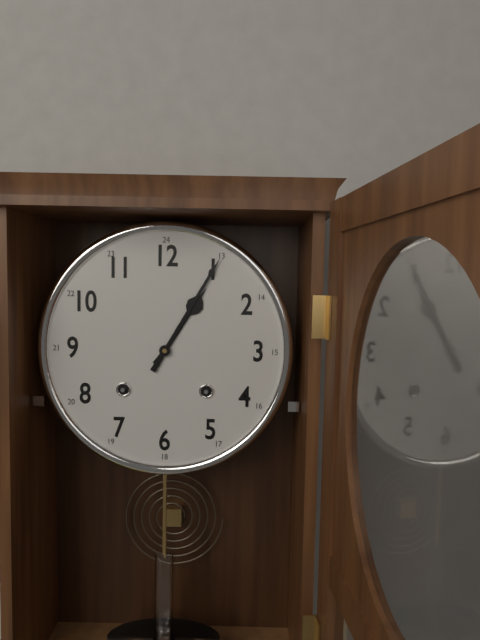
1:05
